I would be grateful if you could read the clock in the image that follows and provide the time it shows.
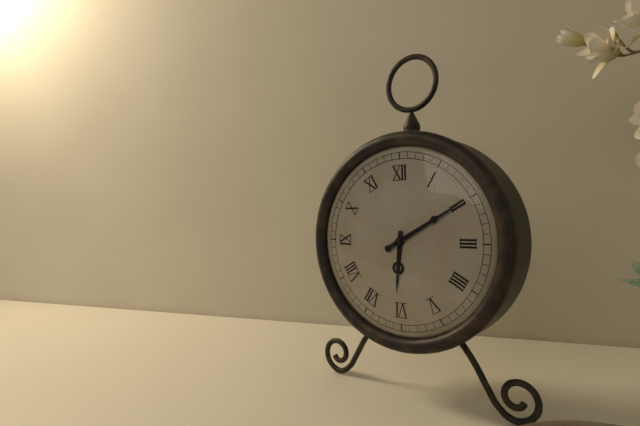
6:10
